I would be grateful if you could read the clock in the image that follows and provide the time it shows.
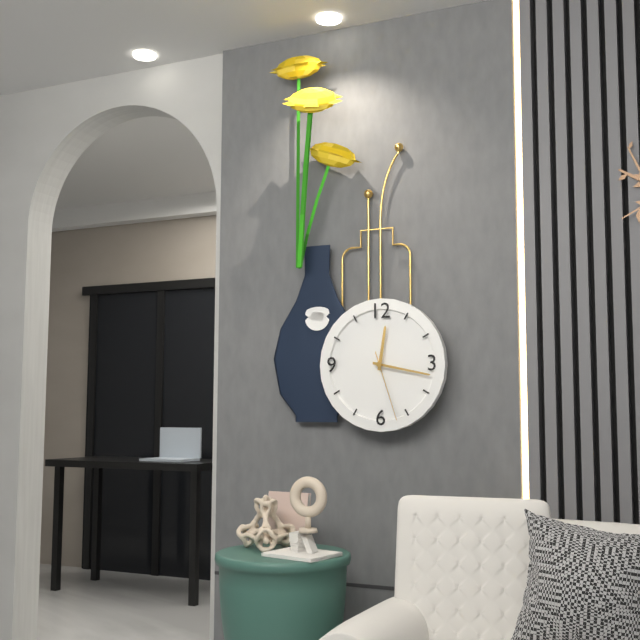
12:17:27
